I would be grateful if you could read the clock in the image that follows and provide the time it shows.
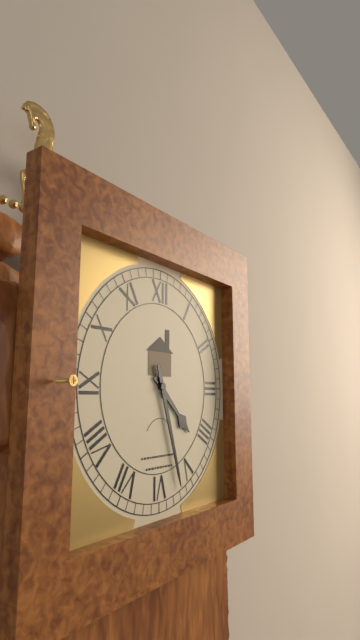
4:27
